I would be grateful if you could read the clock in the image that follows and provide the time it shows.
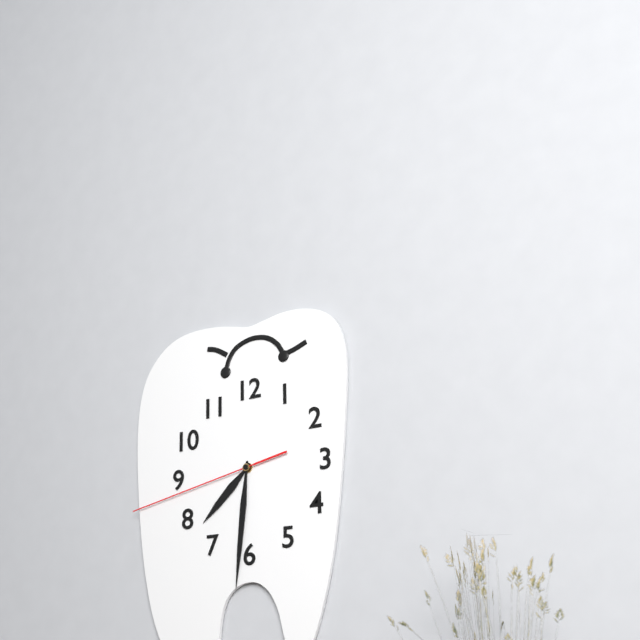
7:31:43
